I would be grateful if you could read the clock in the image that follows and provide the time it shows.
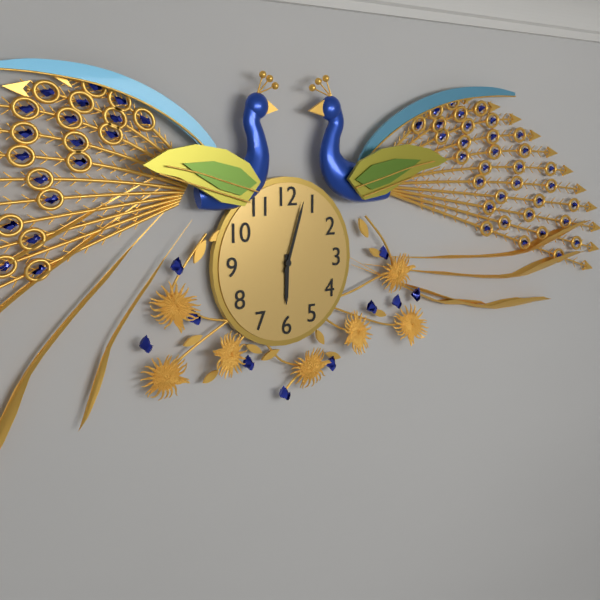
6:03
